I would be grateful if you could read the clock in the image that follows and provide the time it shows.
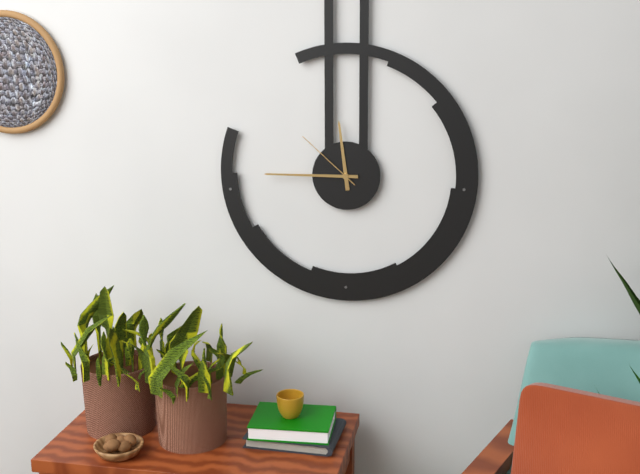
11:45:52
